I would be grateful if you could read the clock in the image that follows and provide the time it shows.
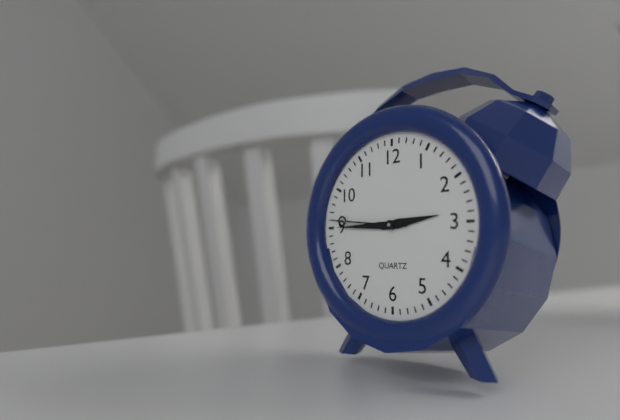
2:45:46
